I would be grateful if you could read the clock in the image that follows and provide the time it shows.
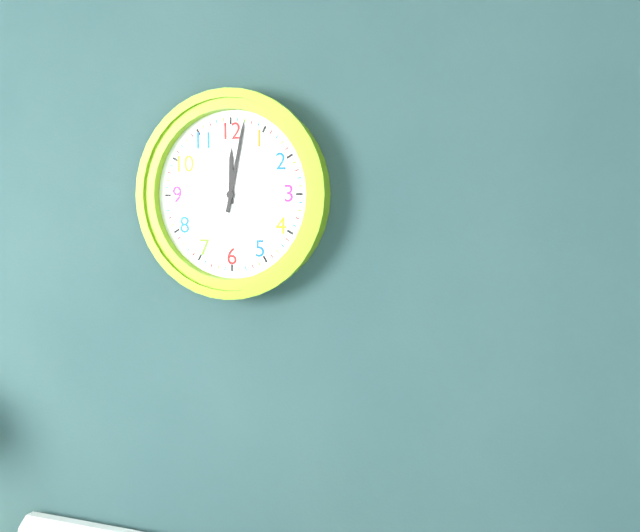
12:02
